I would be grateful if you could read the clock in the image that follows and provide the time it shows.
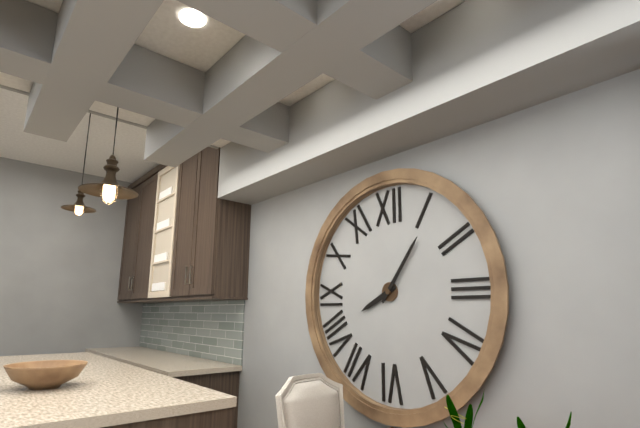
8:06
